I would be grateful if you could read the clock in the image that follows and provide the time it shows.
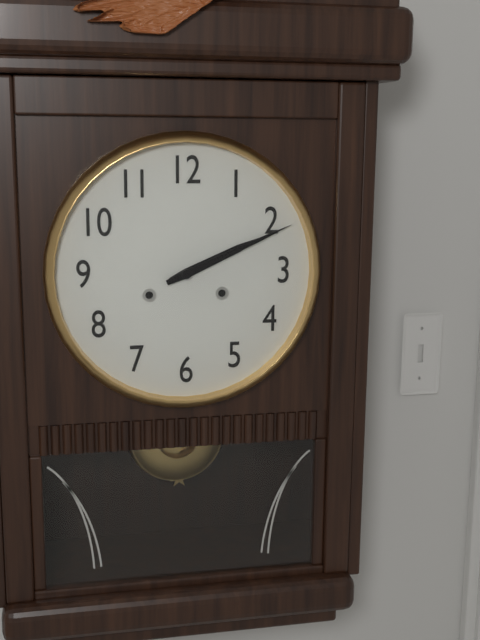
2:11
